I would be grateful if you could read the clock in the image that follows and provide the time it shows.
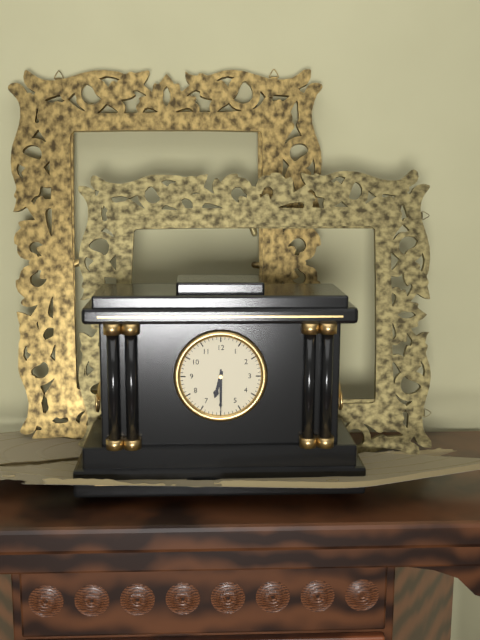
6:30
